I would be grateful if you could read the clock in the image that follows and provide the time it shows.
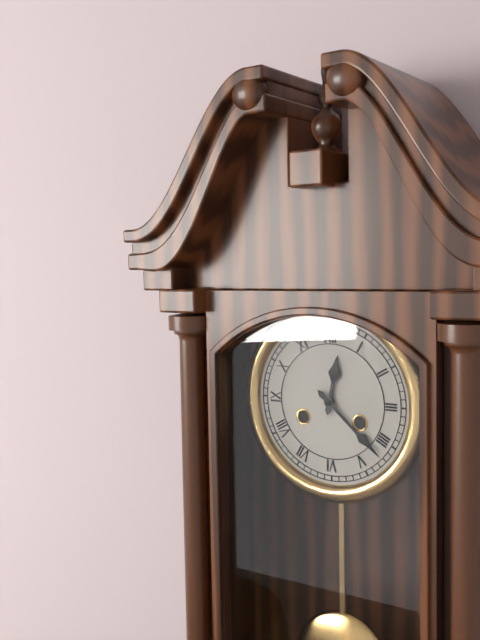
12:22
